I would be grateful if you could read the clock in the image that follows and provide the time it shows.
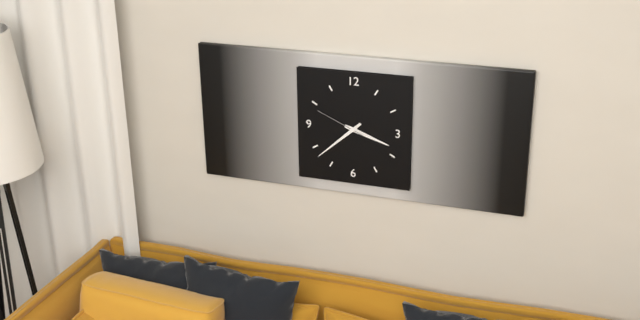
3:38:49
